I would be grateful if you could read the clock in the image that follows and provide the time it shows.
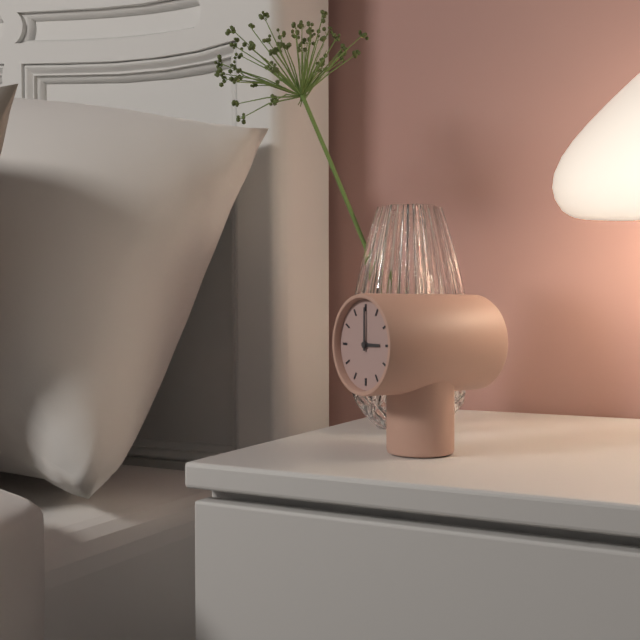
3:00
